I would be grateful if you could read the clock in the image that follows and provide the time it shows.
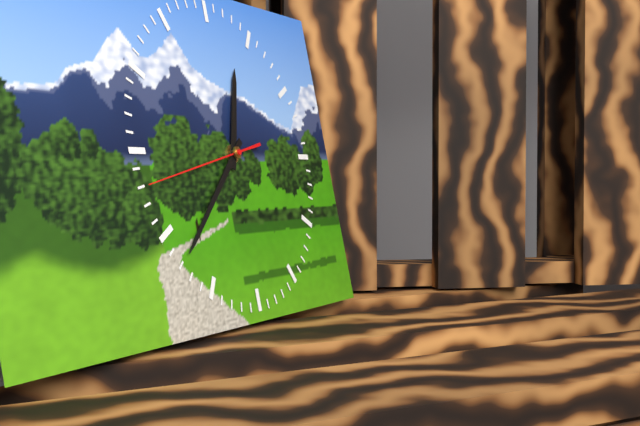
12:38:43
